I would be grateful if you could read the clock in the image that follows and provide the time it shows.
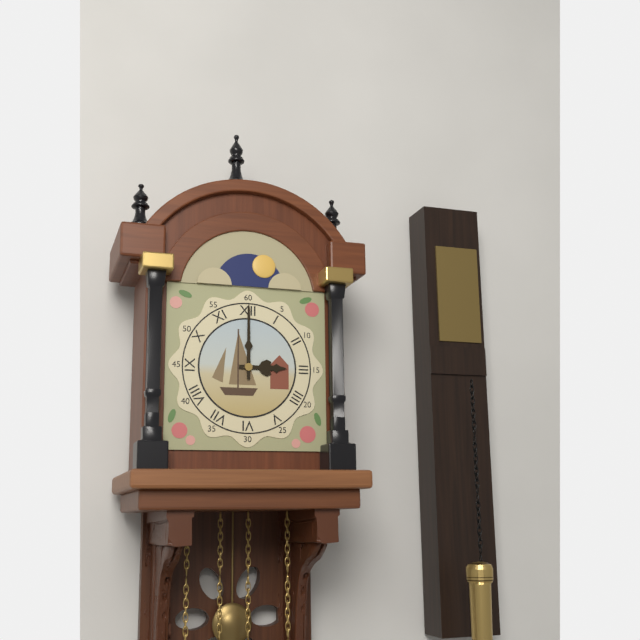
3:00
